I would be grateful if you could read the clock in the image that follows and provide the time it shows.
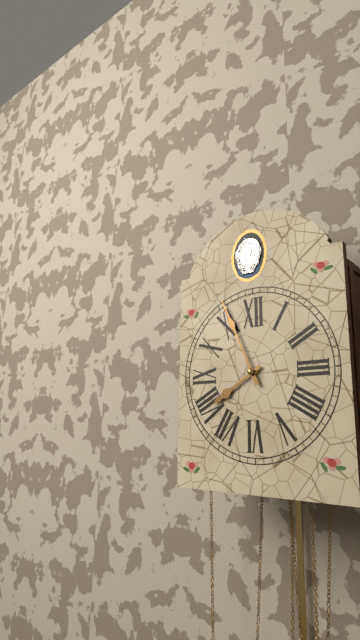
7:56
